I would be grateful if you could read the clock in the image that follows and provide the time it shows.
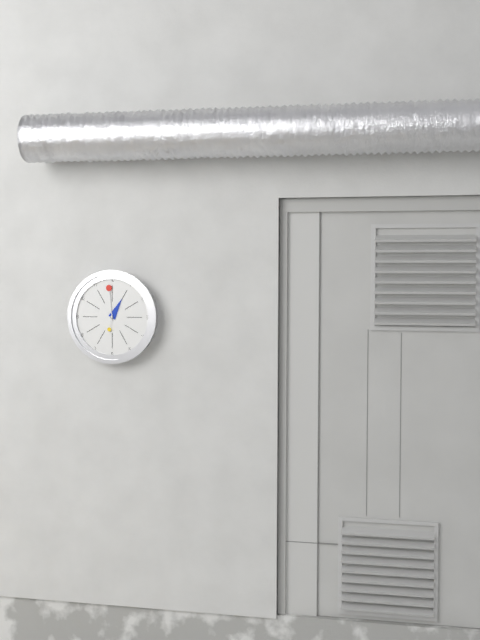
12:59
